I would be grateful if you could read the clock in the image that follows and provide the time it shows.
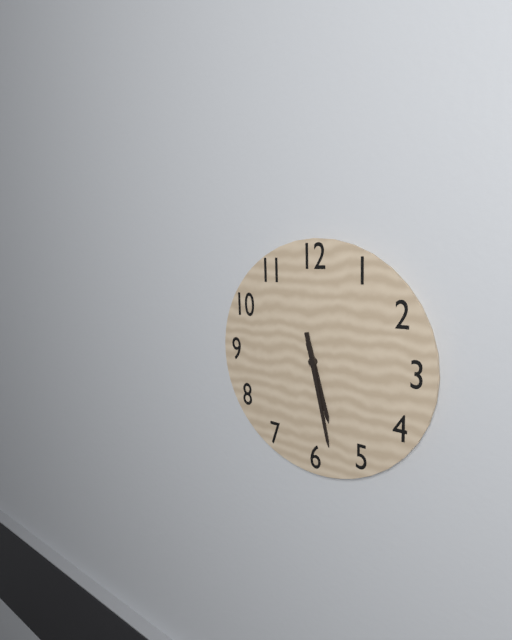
5:28
